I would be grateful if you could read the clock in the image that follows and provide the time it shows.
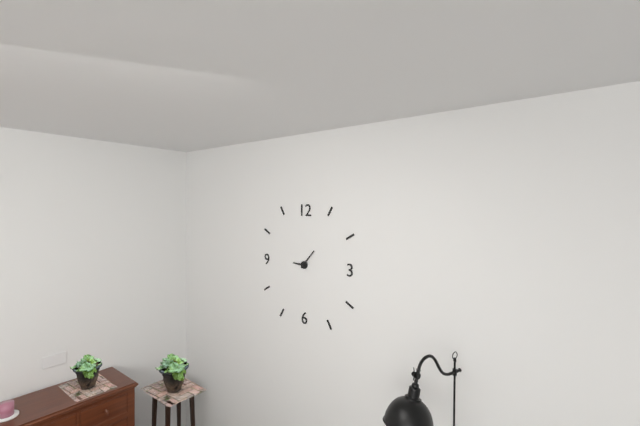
9:07
